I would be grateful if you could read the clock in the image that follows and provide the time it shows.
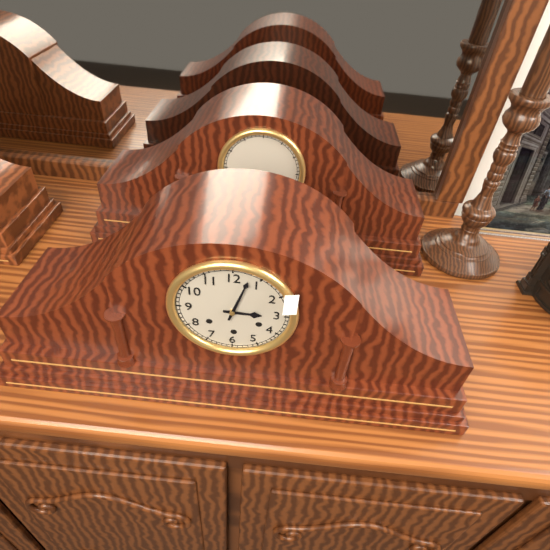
3:03
